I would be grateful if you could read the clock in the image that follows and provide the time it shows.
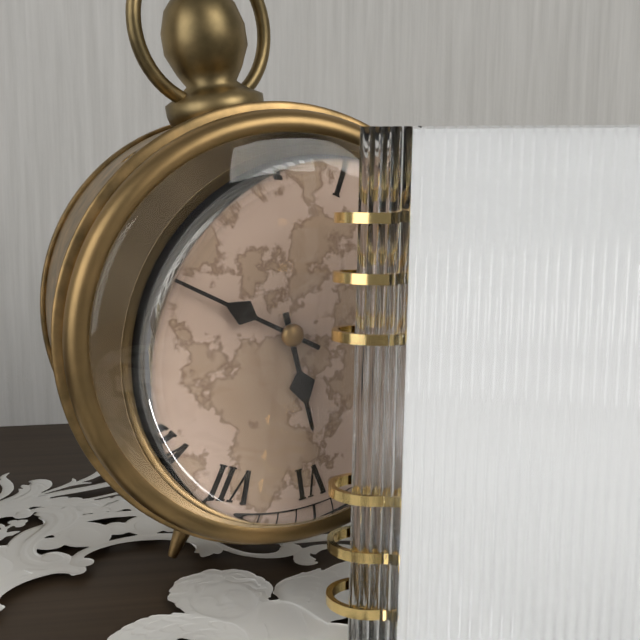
5:51
